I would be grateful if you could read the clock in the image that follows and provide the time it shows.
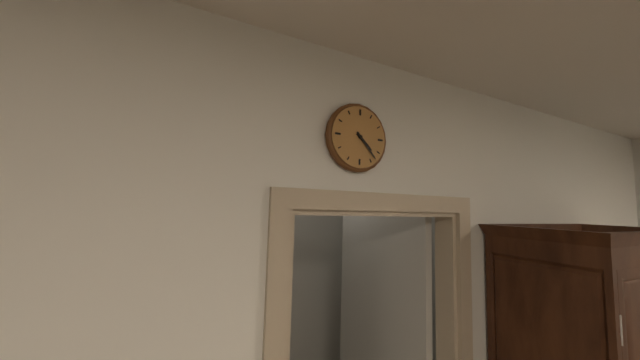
4:23
